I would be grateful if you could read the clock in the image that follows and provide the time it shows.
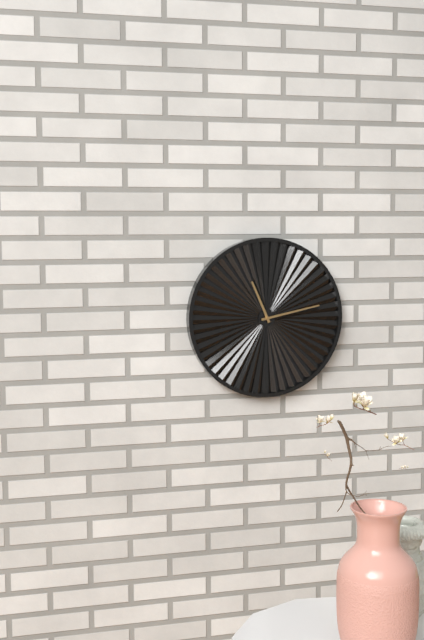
11:13
